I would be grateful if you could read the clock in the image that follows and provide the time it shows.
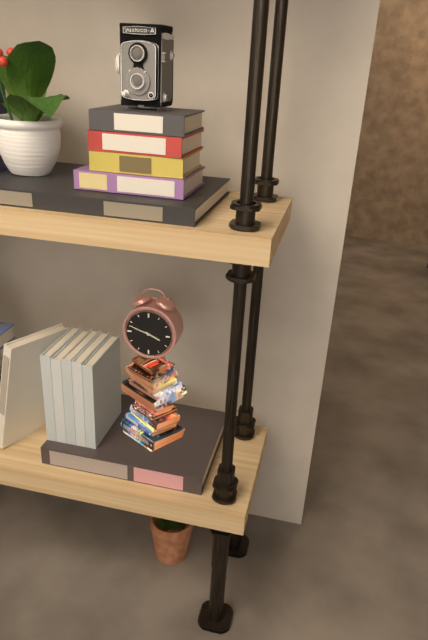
3:48
